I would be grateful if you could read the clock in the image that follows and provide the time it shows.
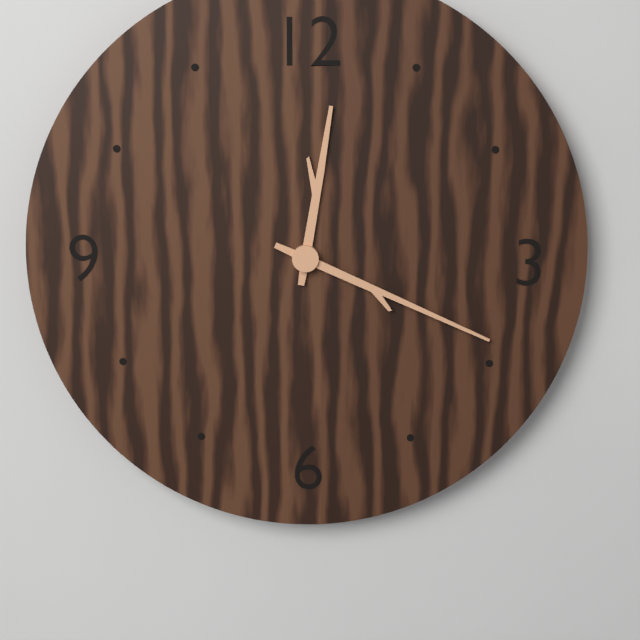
12:19
